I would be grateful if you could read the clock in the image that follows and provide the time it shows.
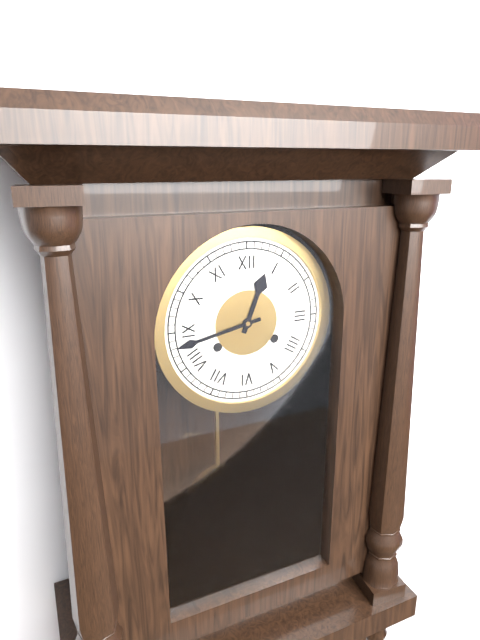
12:43
